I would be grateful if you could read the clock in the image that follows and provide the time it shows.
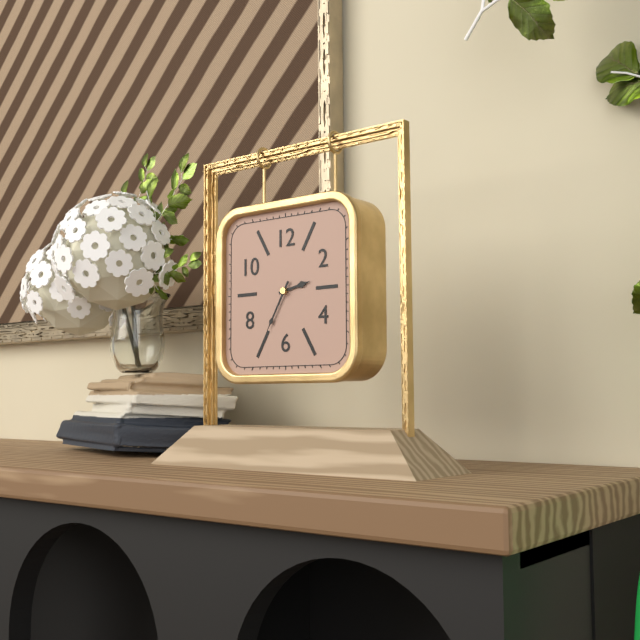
2:35
